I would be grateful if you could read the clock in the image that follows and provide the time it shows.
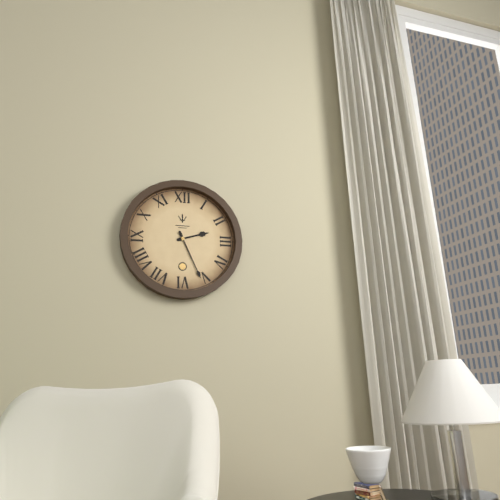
2:26
